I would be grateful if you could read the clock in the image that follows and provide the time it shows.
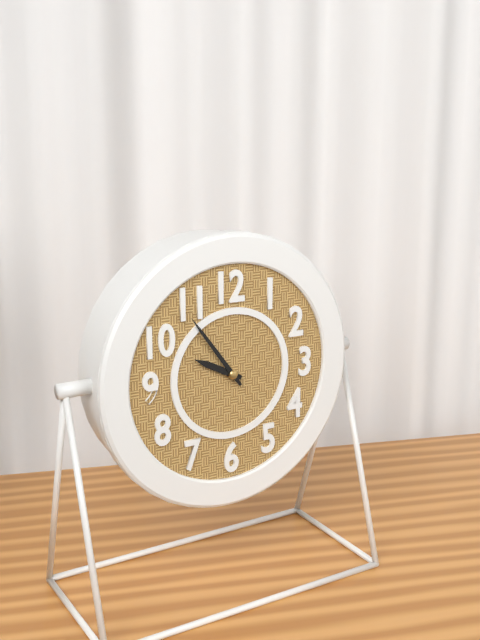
9:54
